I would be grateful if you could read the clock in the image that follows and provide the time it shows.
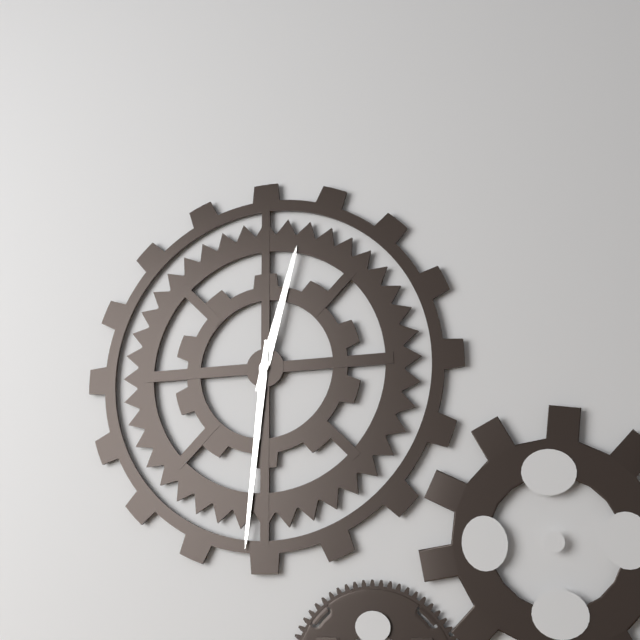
12:31
